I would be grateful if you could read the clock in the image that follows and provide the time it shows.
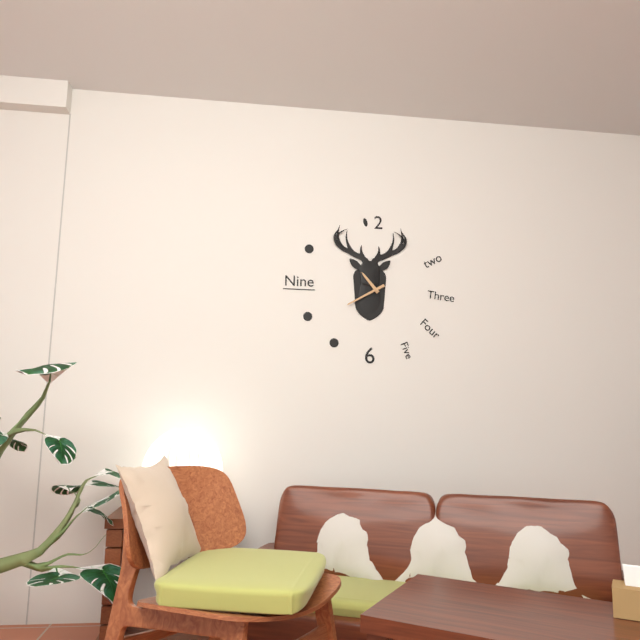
10:40
